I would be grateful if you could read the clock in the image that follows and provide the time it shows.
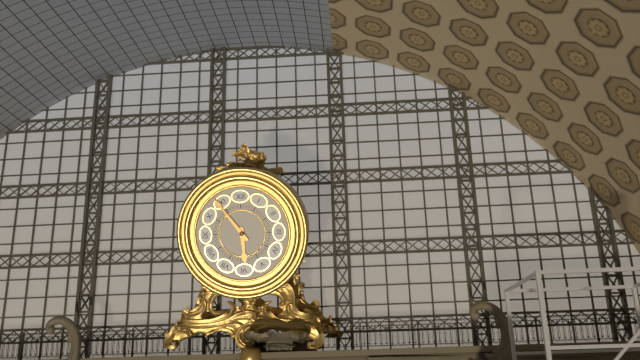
5:54
